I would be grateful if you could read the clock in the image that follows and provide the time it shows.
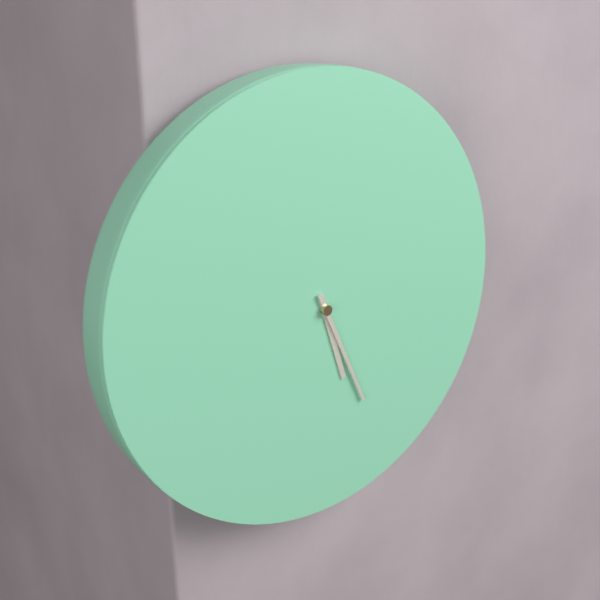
5:26
